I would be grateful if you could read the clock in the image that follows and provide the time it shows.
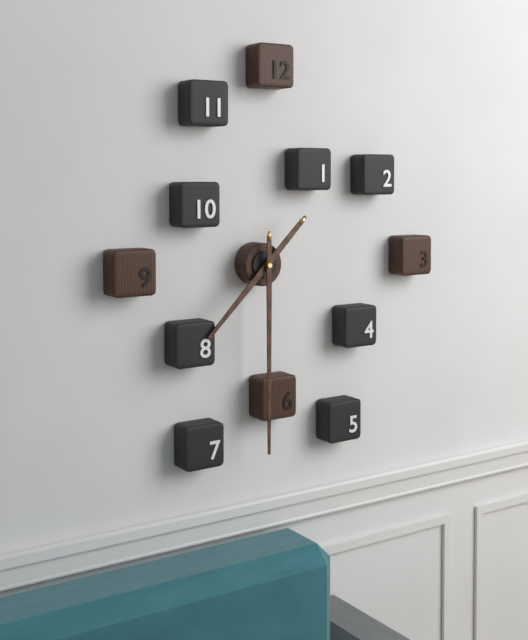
7:30
